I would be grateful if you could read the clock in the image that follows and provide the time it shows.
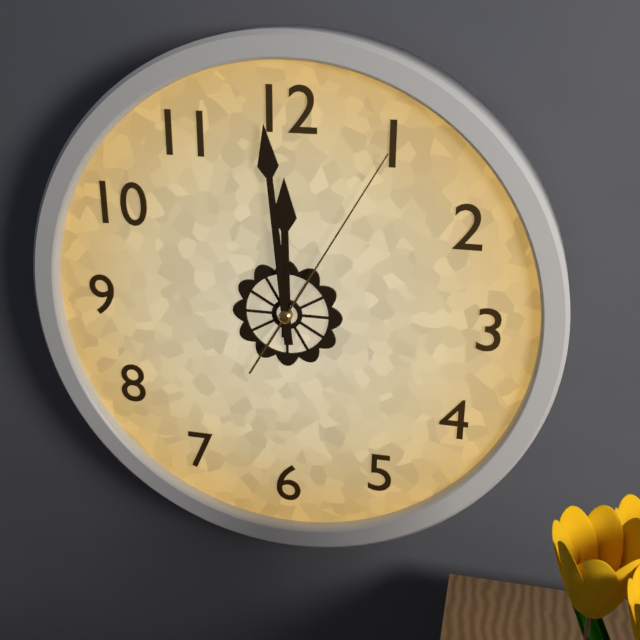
11:59:05
